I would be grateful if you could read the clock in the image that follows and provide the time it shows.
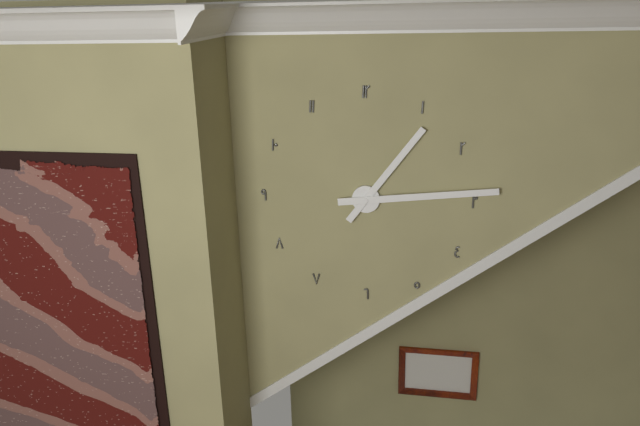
1:14
